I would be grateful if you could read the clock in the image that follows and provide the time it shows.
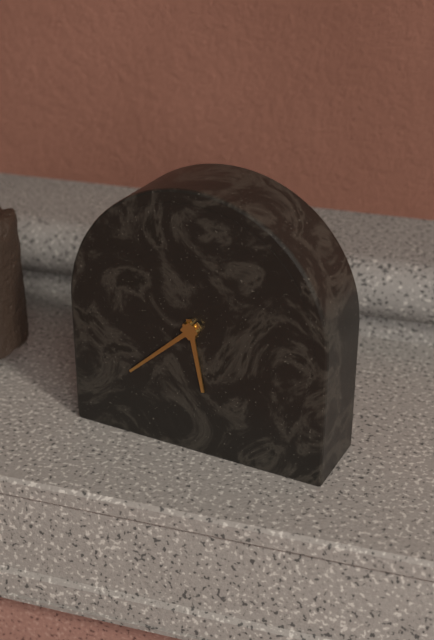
5:38
